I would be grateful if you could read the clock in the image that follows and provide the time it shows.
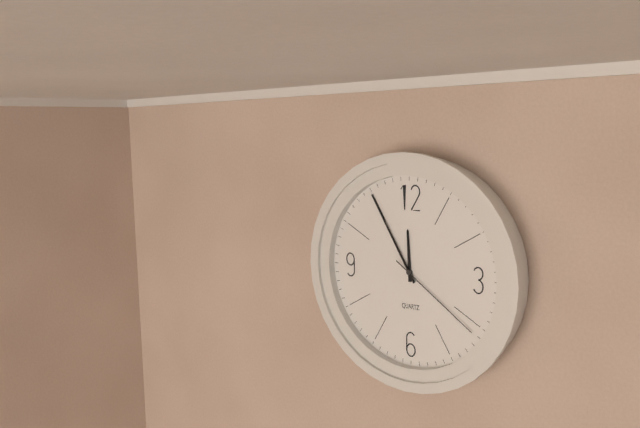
11:55:21
